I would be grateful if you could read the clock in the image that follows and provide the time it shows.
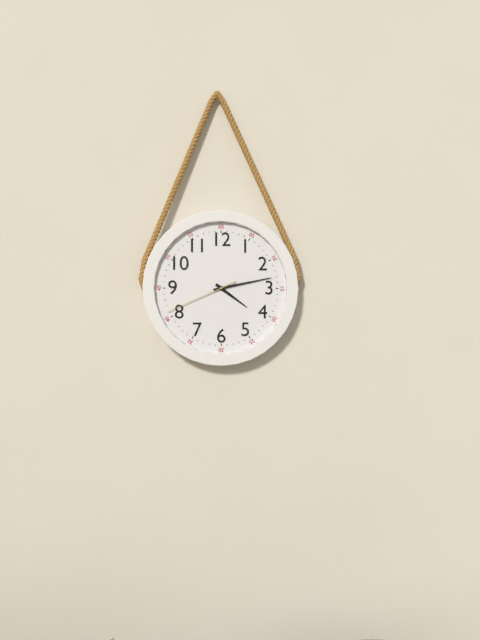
4:13:41
